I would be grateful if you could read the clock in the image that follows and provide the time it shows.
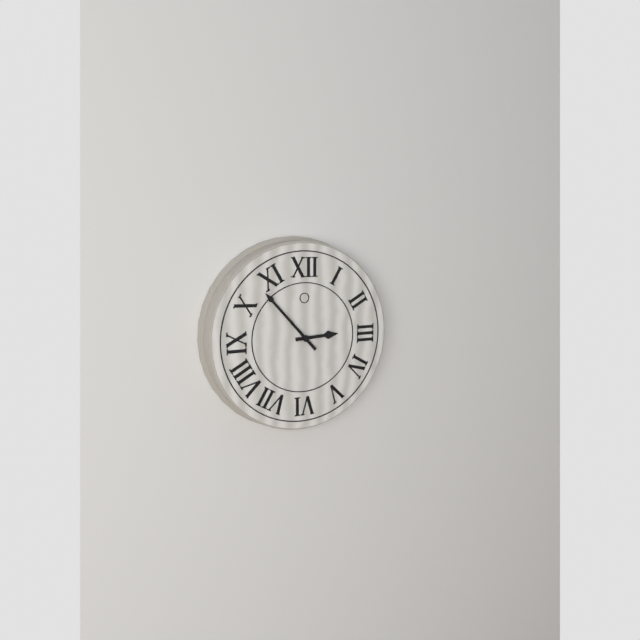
2:53
